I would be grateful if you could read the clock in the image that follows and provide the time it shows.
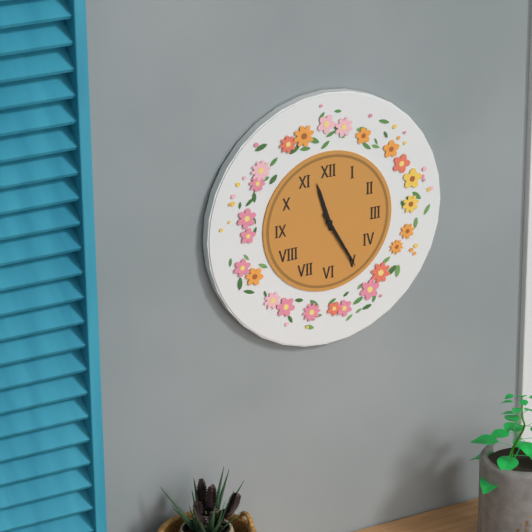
11:25
